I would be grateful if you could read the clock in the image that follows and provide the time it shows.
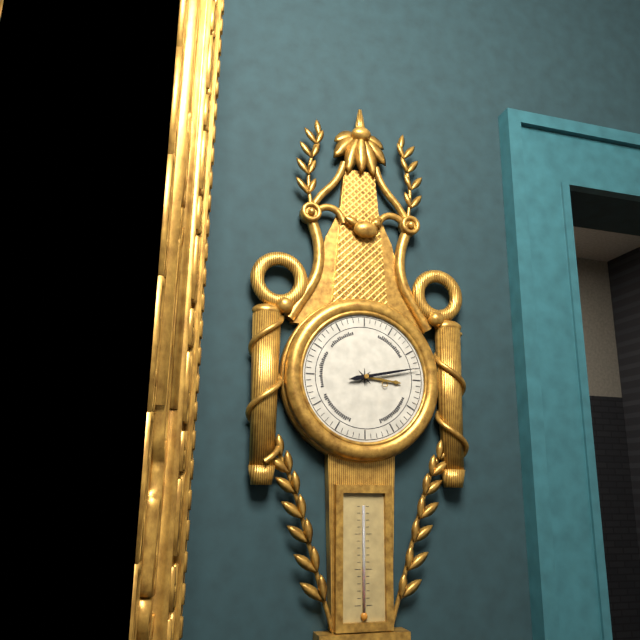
3:13
